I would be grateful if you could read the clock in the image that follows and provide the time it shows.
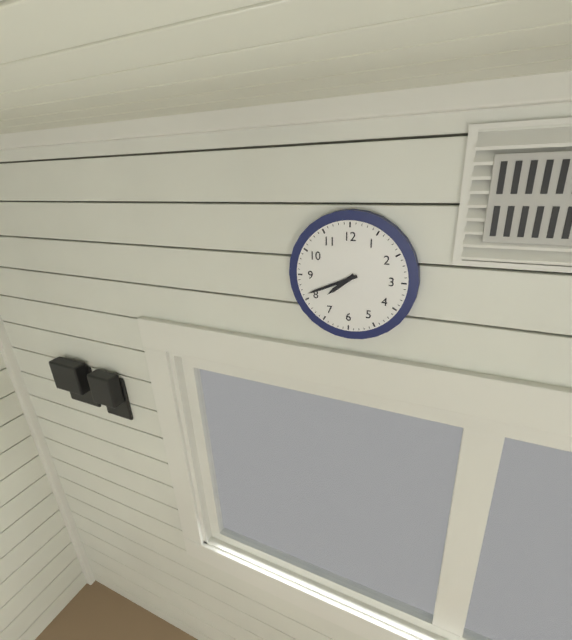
7:41
